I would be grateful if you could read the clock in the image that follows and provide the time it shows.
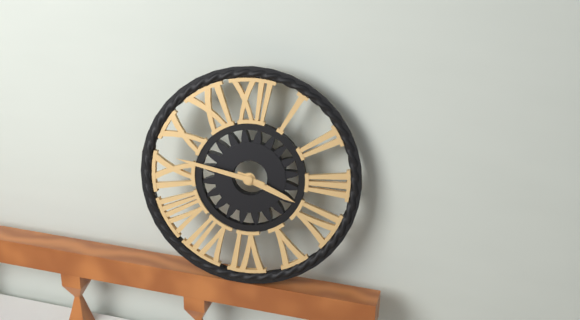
3:47
